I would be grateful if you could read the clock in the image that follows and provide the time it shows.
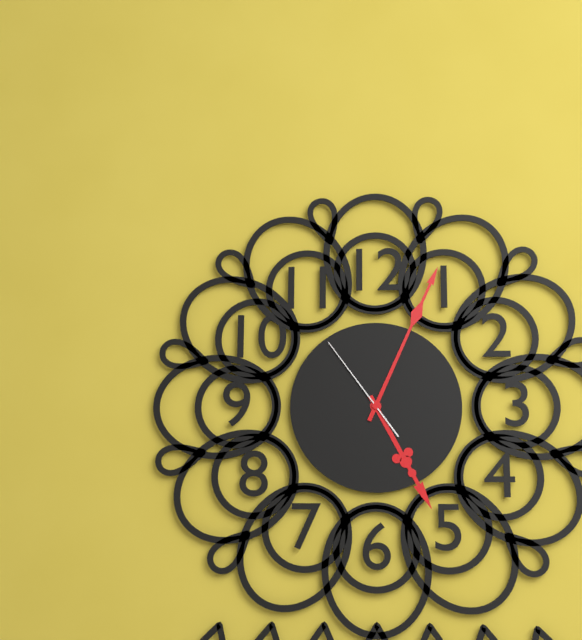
5:04:54
